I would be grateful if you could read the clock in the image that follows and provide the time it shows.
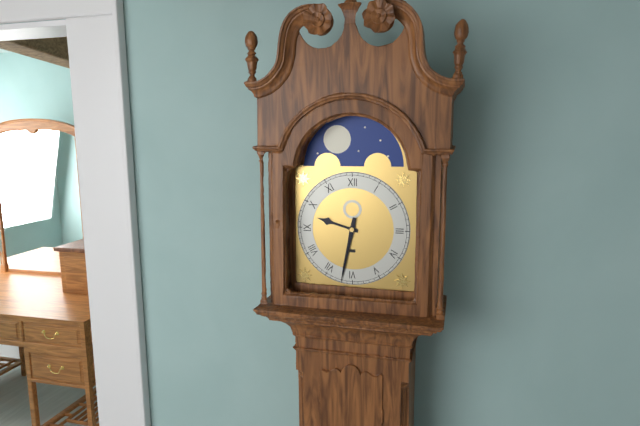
9:32
